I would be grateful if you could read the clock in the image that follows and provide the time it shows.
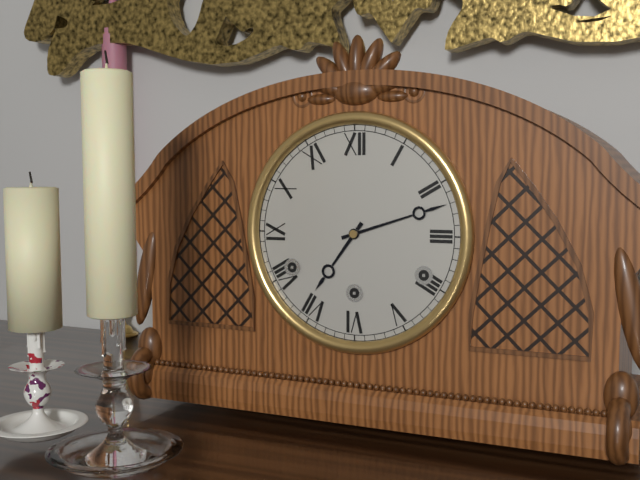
7:12
